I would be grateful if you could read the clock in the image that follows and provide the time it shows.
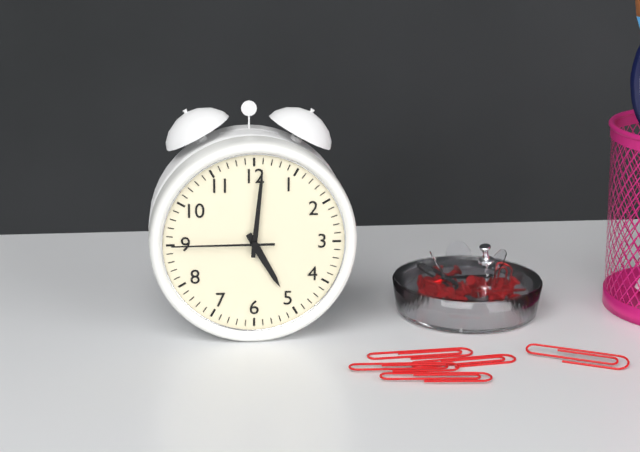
5:01:45
